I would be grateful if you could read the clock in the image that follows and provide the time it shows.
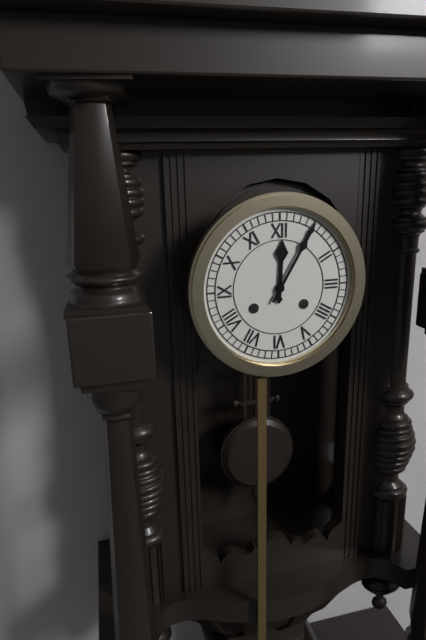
12:05
